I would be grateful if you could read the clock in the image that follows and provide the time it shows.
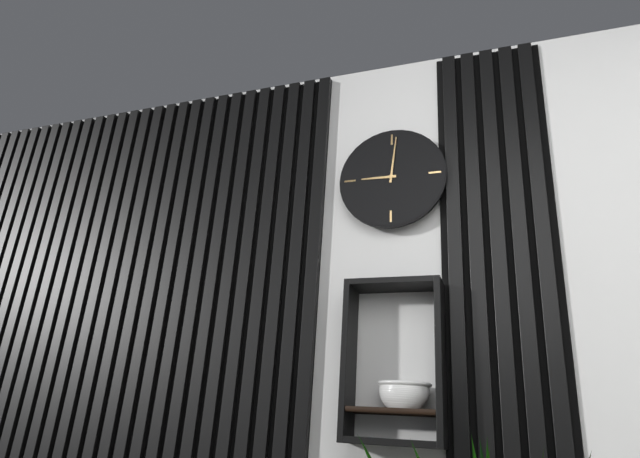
9:01
